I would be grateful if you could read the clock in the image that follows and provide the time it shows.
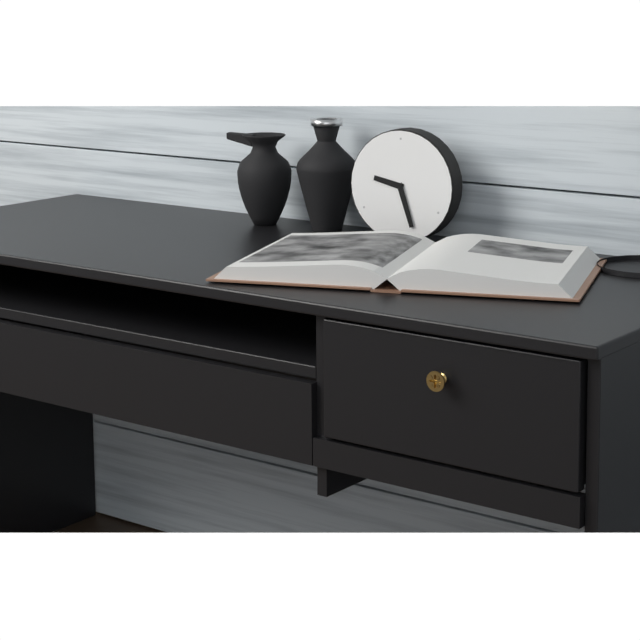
9:27
